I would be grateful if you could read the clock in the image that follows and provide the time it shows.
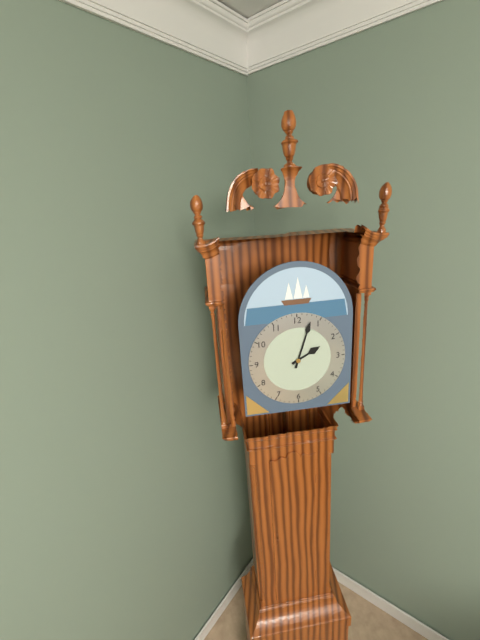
2:03
